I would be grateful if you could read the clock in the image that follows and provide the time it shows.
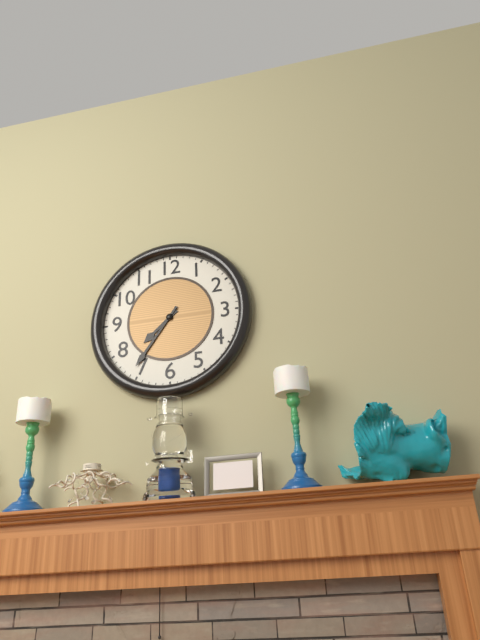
7:36
